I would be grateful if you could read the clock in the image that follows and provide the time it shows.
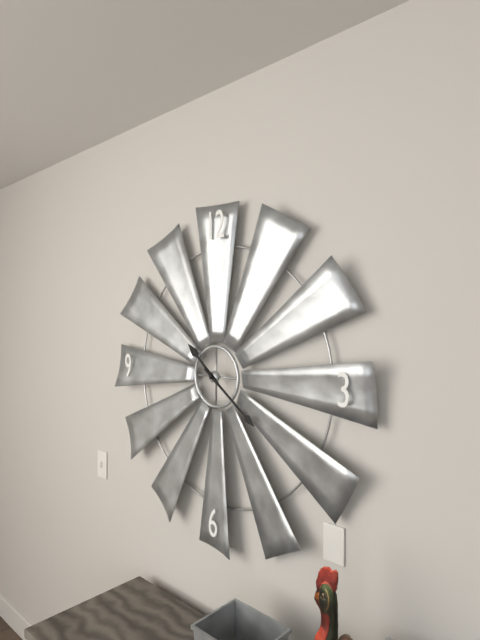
10:21
